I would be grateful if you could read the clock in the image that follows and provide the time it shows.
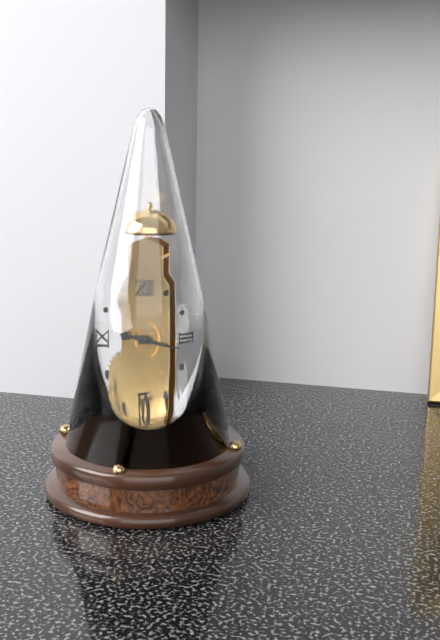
9:17
